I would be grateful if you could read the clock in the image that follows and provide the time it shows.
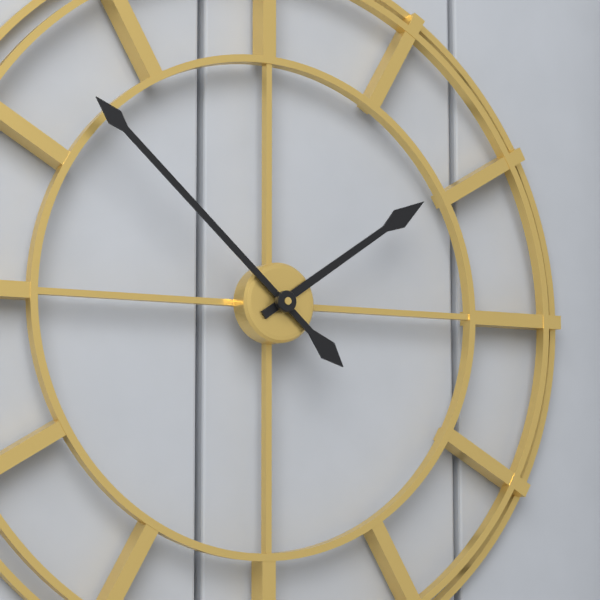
1:52
